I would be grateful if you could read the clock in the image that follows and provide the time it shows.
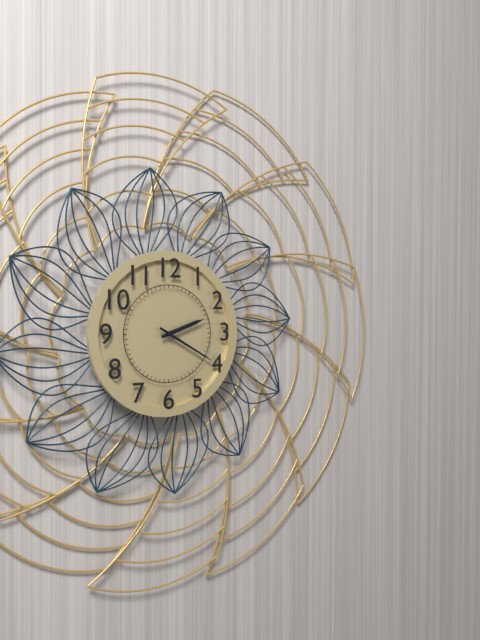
2:20
